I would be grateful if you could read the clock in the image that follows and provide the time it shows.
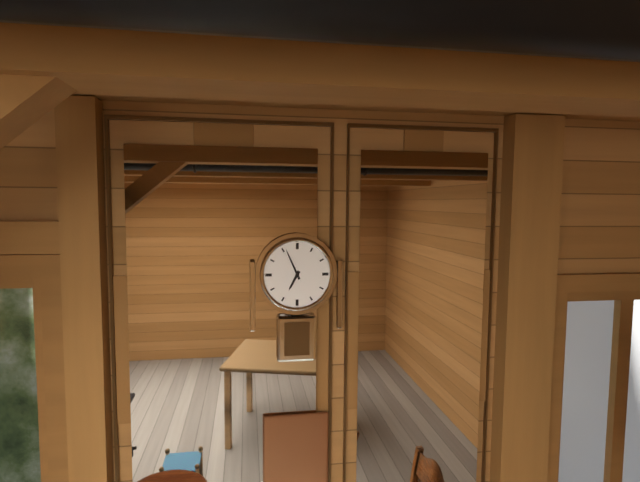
6:56
